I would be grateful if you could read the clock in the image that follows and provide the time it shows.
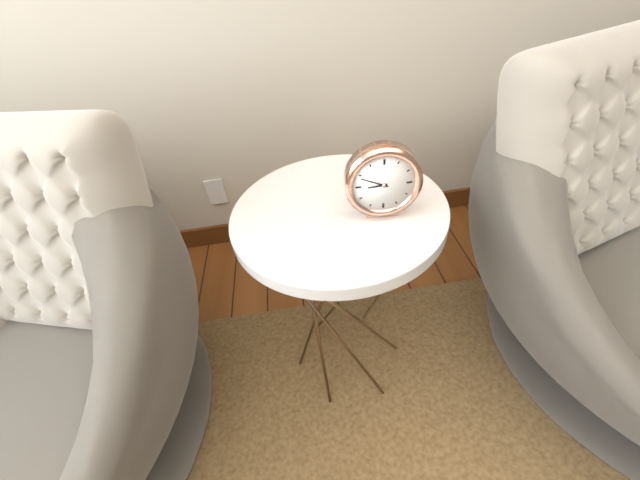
8:49
